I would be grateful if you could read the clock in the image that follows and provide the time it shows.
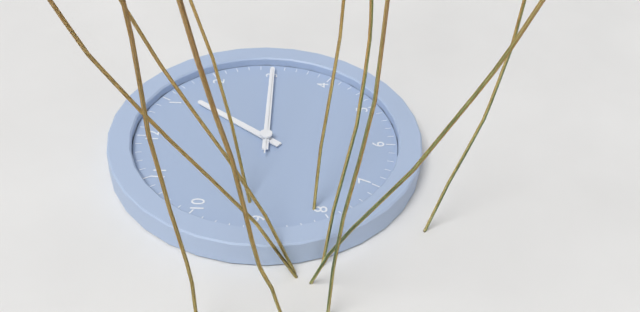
1:15:15
